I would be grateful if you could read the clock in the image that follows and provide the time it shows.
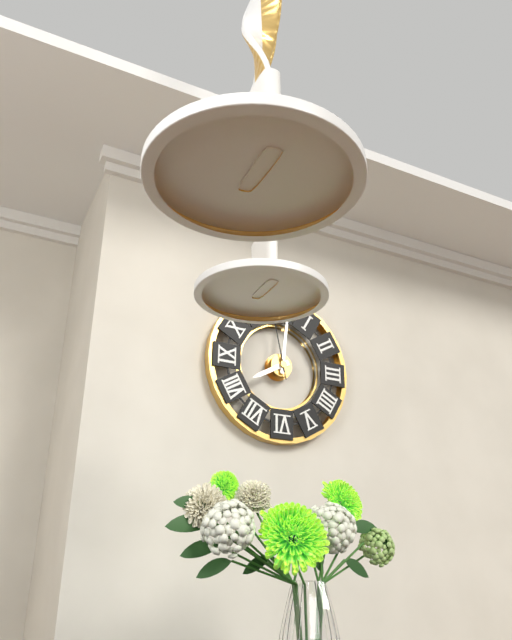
8:01
